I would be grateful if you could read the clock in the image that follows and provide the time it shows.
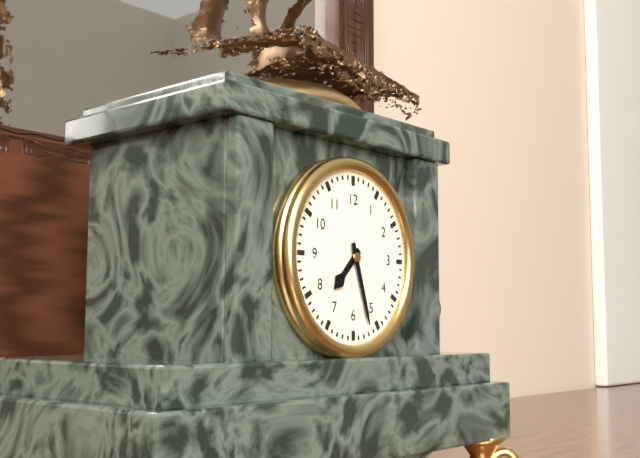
7:27
